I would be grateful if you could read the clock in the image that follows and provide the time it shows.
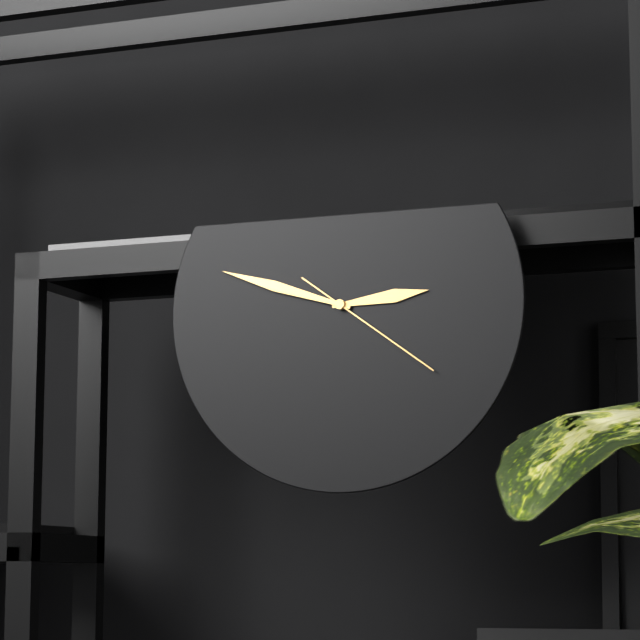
2:48:21
